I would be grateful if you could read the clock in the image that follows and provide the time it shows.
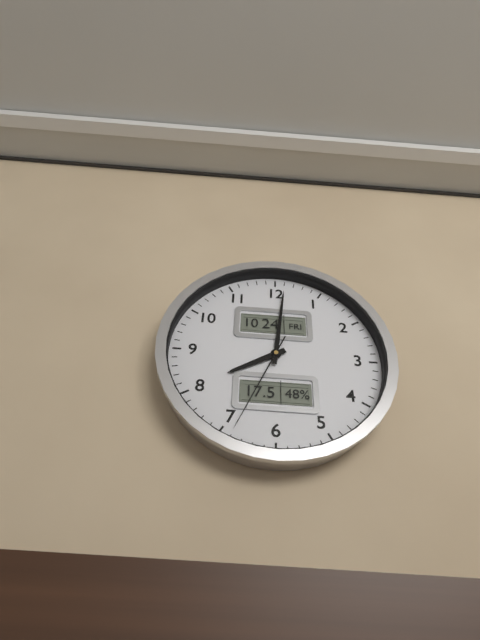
8:01:34
